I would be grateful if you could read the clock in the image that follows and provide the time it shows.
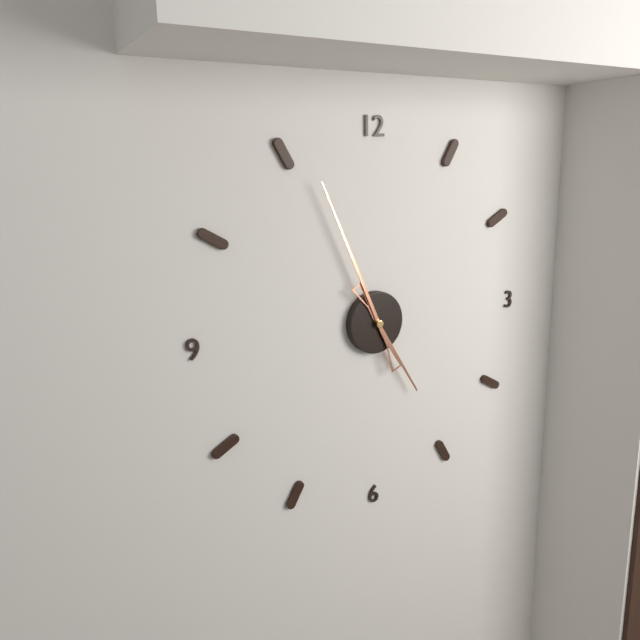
4:56
